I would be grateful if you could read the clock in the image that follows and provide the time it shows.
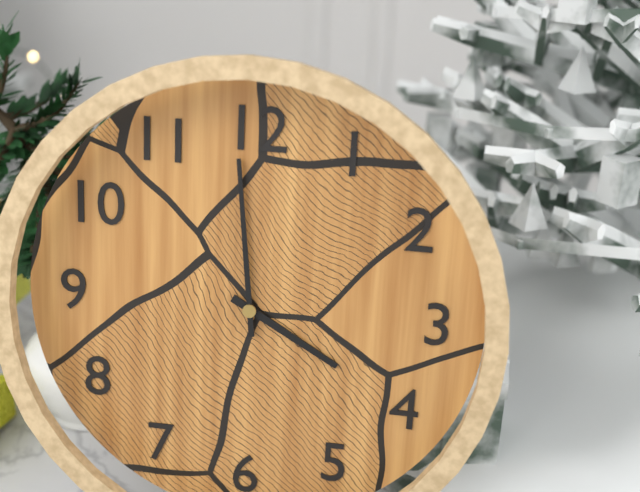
3:59
